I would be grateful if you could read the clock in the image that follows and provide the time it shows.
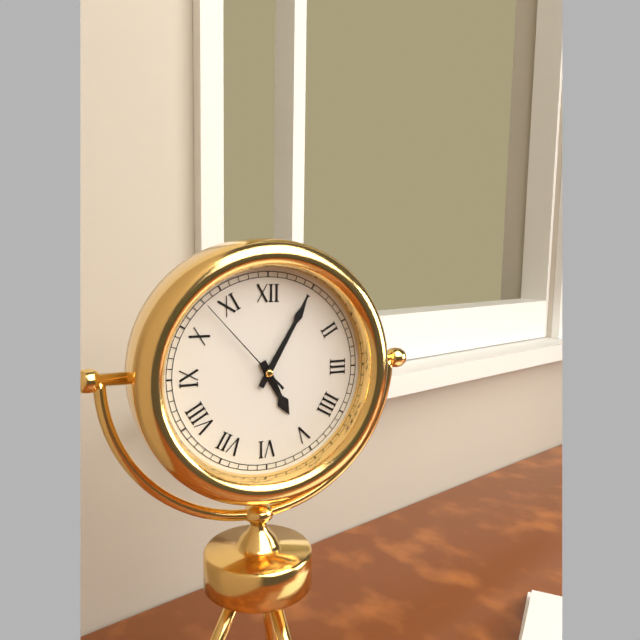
5:05:53
